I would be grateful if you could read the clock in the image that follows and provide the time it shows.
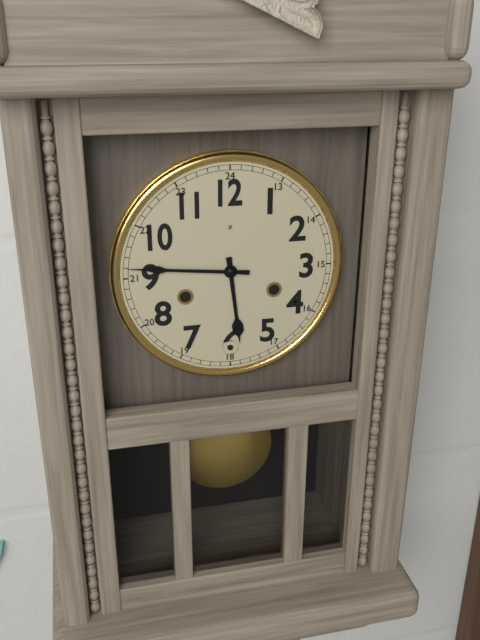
5:46
